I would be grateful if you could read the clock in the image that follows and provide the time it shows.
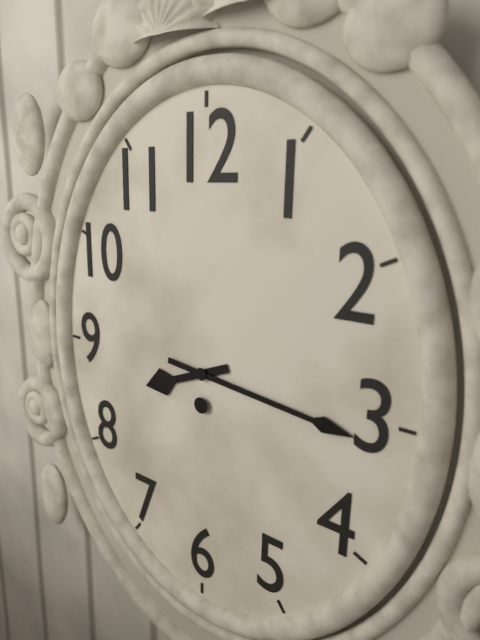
8:16
